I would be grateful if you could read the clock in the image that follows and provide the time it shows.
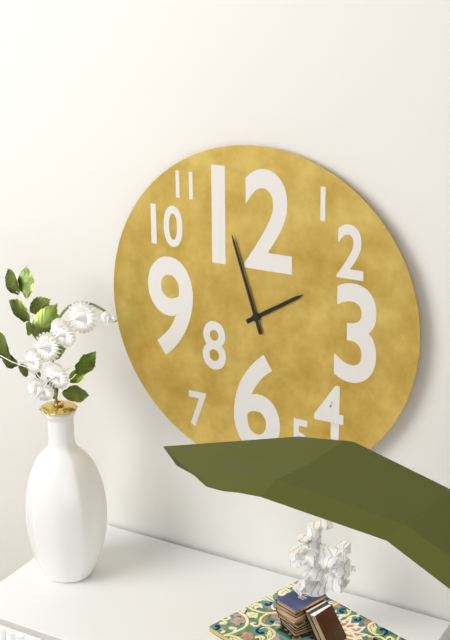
1:57
